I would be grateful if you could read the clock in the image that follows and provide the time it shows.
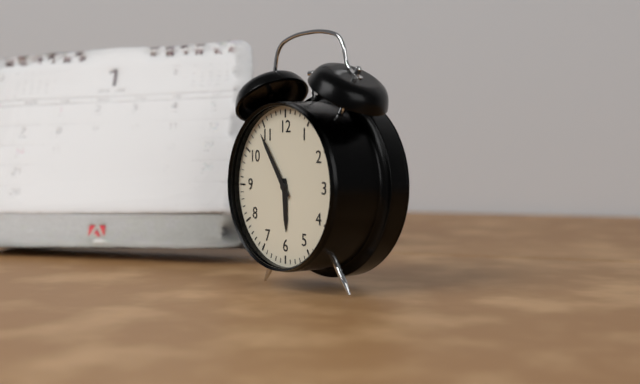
5:54
